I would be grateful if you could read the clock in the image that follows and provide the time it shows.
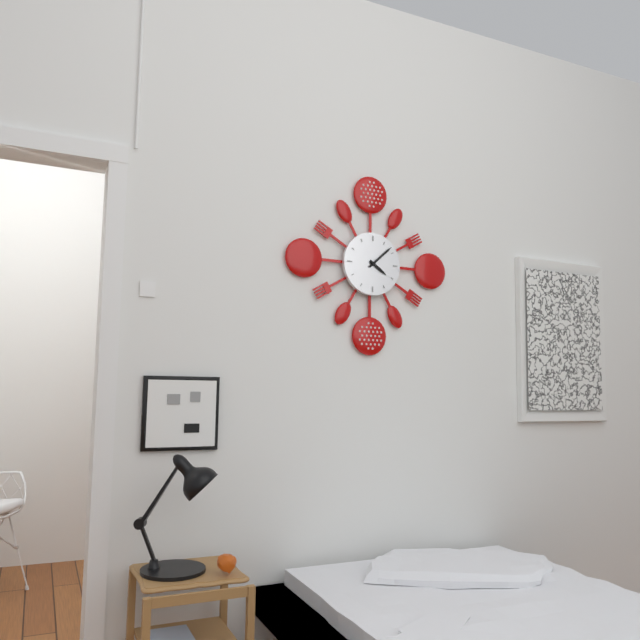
4:08
